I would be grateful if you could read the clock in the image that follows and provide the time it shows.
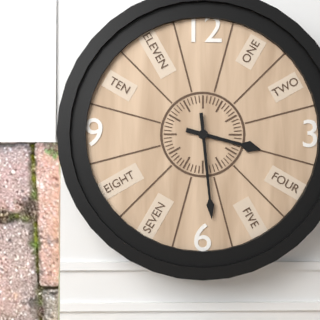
3:29
